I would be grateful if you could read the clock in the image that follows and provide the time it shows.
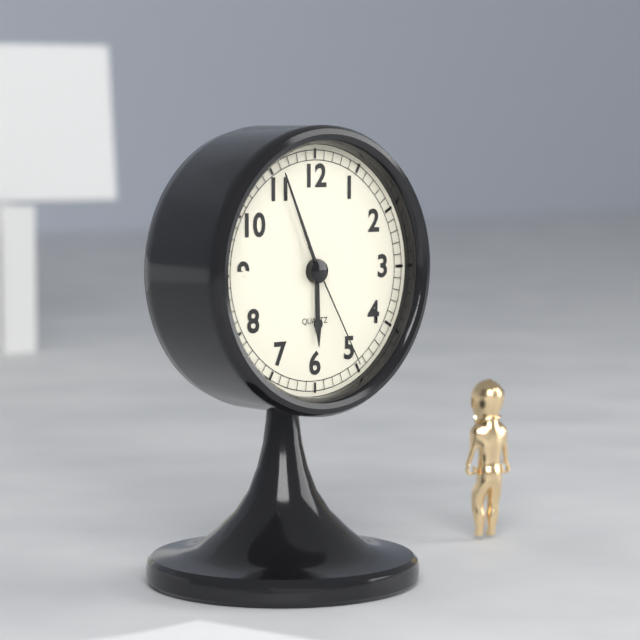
5:56:25
